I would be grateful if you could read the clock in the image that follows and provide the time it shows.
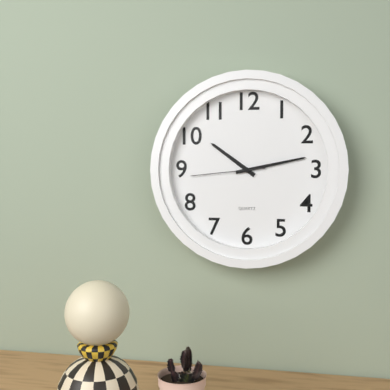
10:13:44
